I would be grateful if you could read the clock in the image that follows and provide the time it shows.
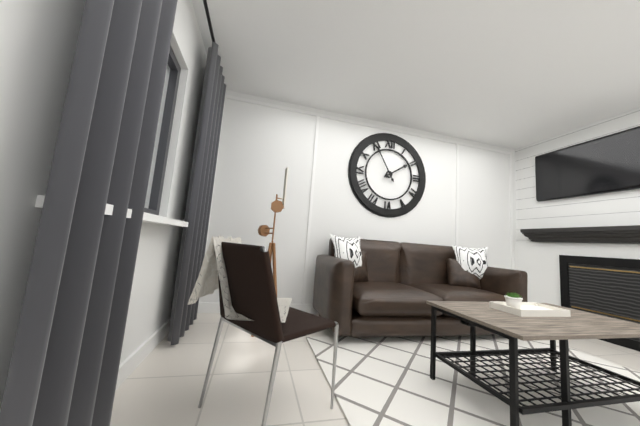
1:55
